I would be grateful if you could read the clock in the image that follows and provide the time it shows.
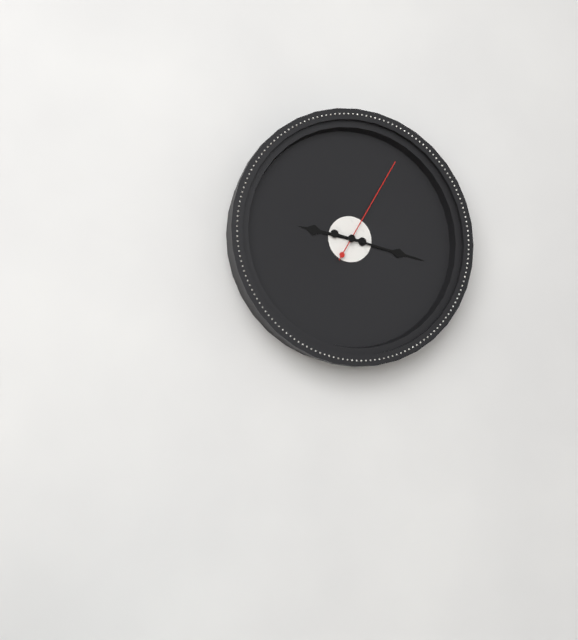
9:17:05
